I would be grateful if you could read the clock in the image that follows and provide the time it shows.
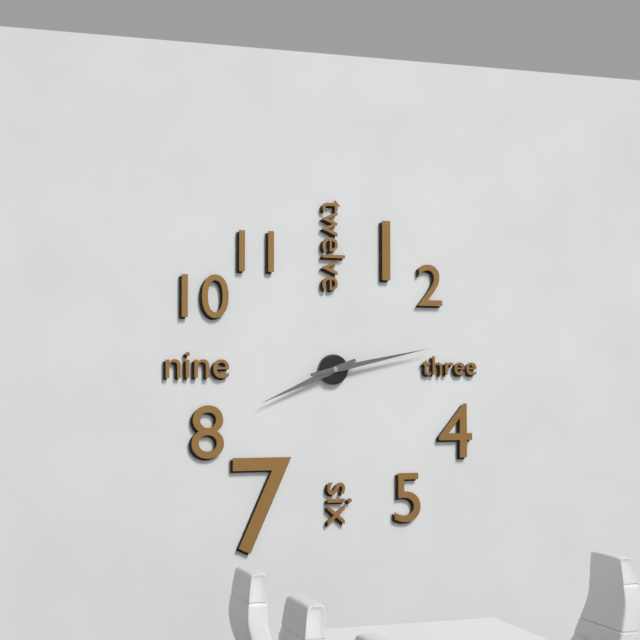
8:13
